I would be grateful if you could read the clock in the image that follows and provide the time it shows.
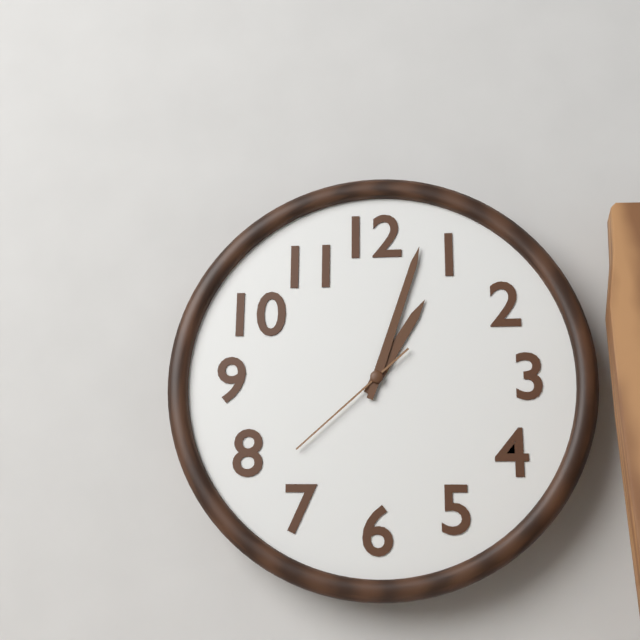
1:03:38
